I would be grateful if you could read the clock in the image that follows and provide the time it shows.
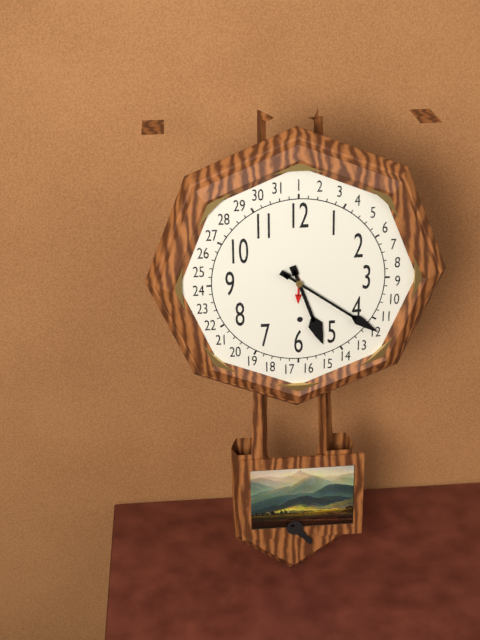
5:21
